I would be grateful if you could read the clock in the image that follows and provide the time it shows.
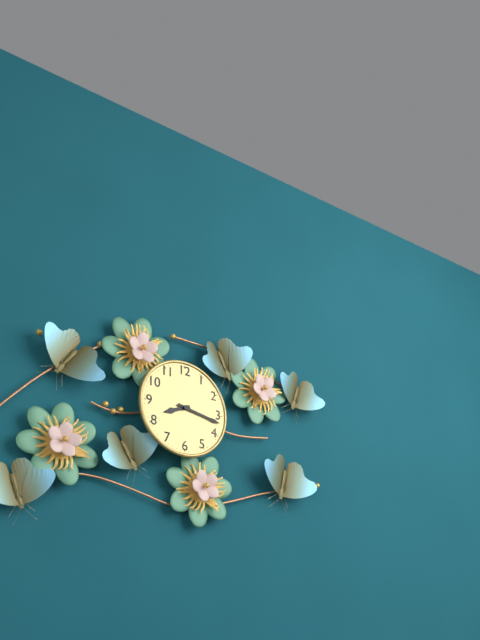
8:17
